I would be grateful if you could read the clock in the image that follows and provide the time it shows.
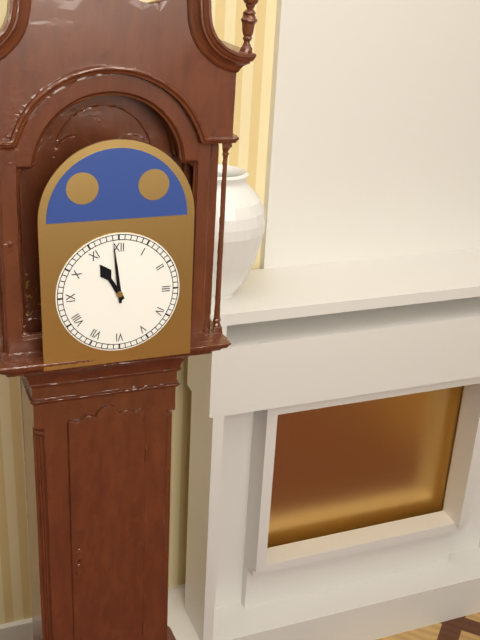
10:59
